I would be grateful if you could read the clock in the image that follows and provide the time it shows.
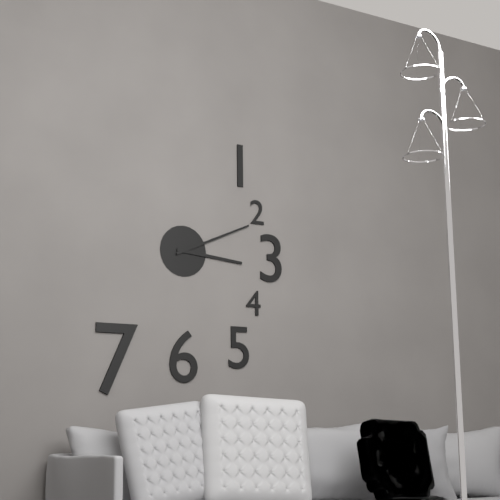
3:11
